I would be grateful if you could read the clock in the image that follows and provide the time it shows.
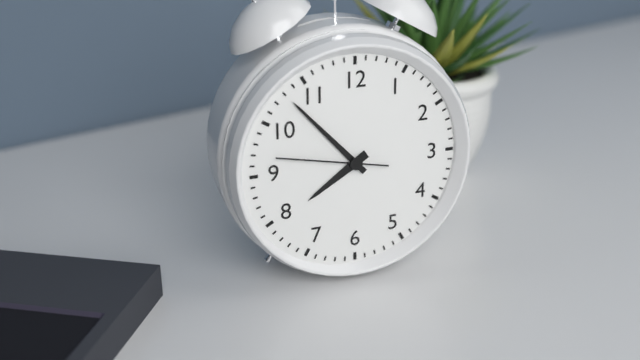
7:53:47
